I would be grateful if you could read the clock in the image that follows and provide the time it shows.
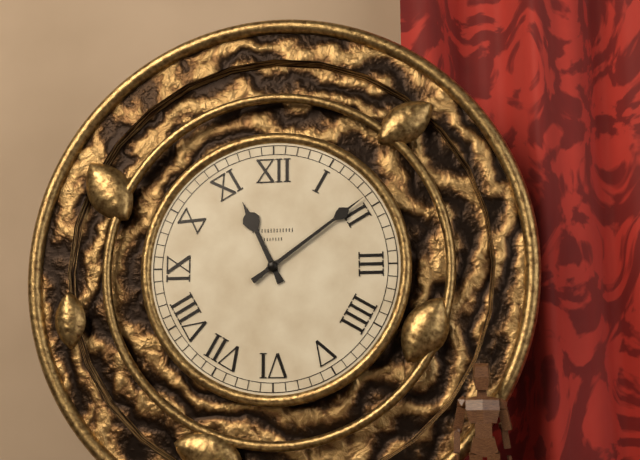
11:09
